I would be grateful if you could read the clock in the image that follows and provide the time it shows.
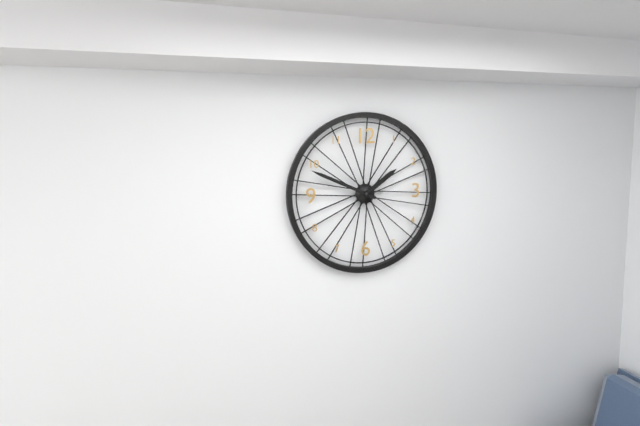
1:49
